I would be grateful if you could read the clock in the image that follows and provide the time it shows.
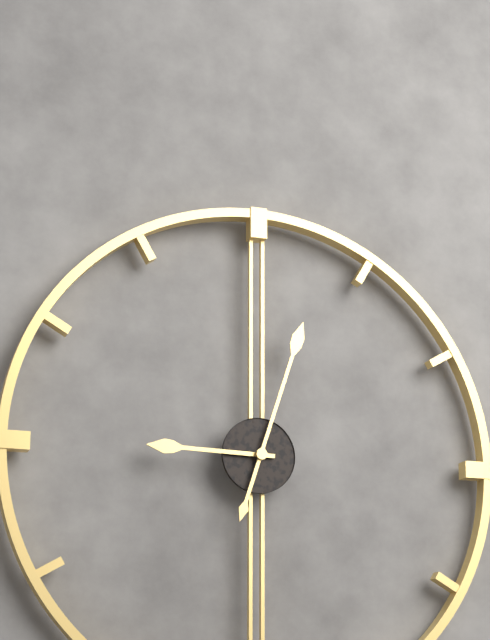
9:03
